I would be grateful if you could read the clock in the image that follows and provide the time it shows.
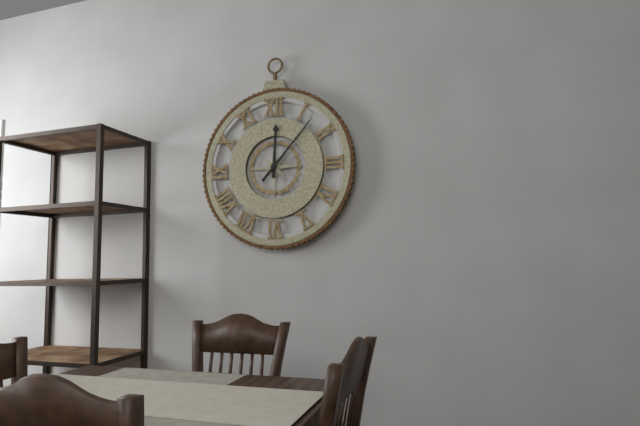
12:07
